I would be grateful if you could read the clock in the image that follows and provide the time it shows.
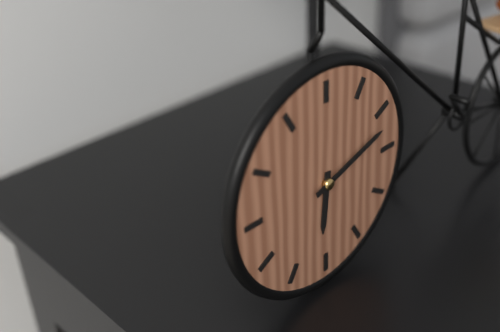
6:12
